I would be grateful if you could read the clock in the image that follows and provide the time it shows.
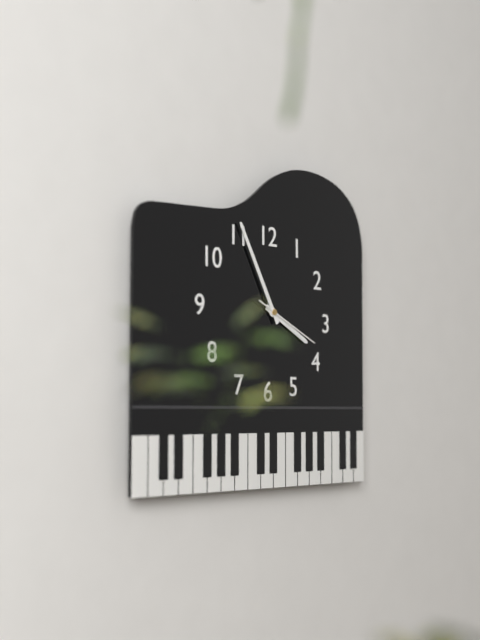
3:55:19
